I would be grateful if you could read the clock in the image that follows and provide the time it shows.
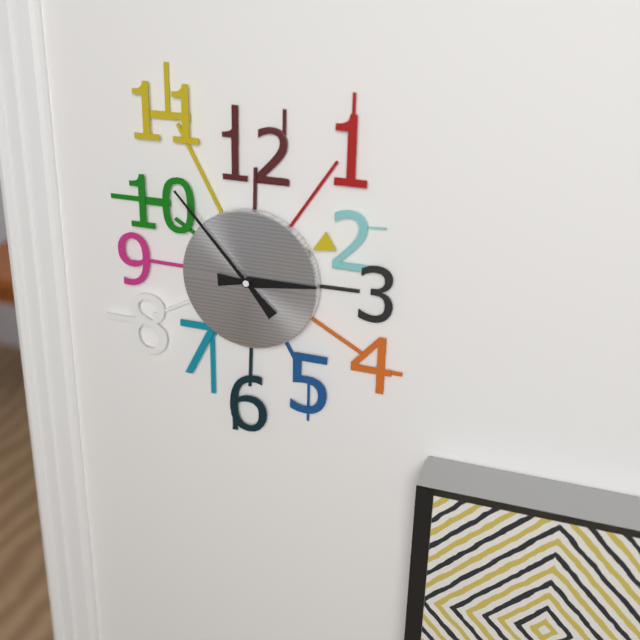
2:53
